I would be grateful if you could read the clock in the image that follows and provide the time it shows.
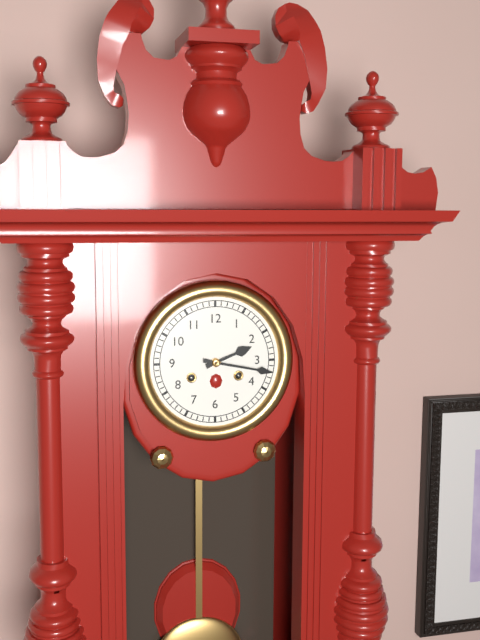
2:17
